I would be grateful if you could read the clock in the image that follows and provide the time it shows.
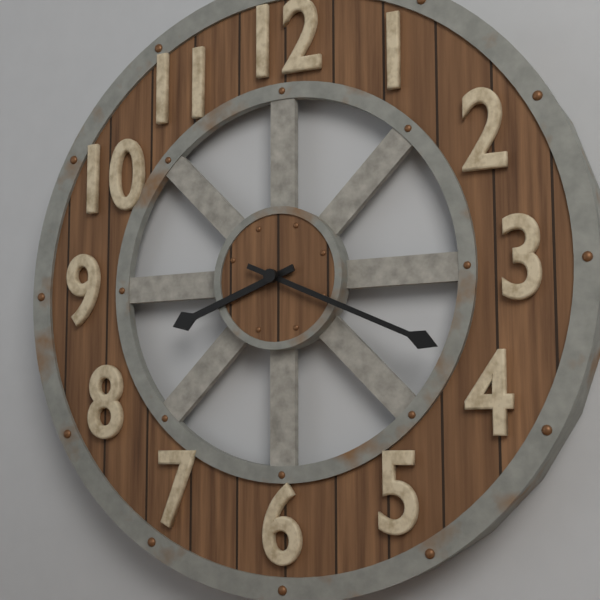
8:19
